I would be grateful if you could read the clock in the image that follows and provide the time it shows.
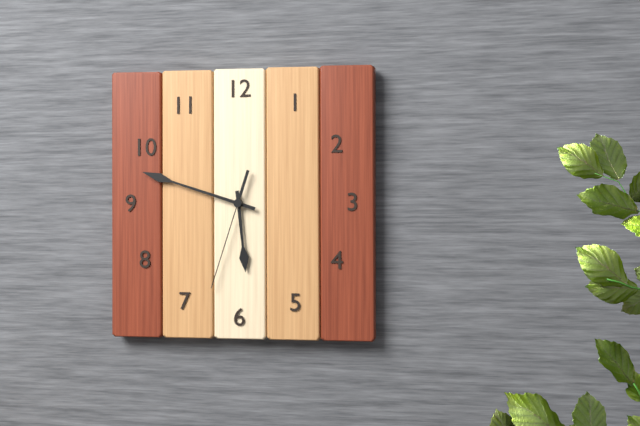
5:48:33
